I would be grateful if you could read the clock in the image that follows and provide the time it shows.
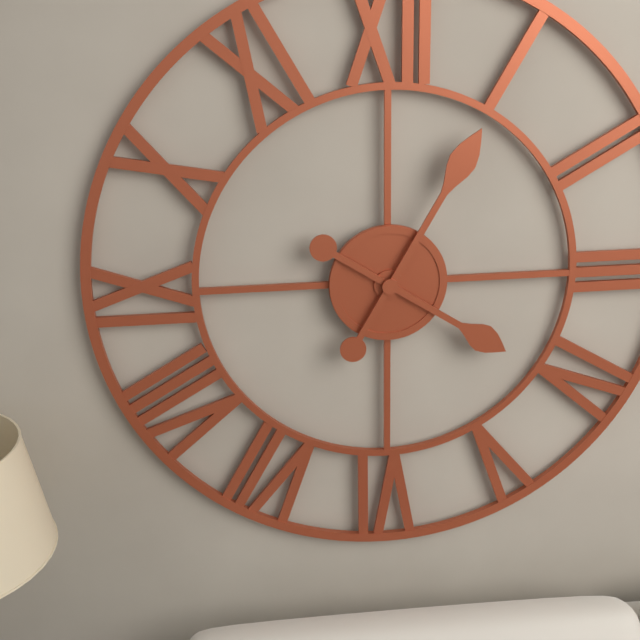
4:05
